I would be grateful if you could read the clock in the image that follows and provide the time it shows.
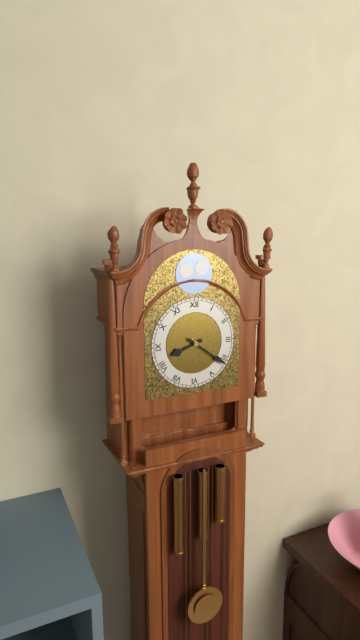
8:21
